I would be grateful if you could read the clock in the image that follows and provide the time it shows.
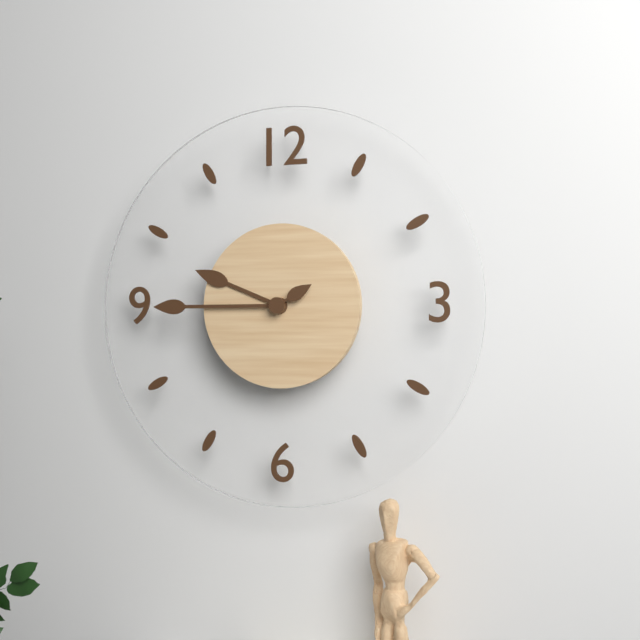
9:45
